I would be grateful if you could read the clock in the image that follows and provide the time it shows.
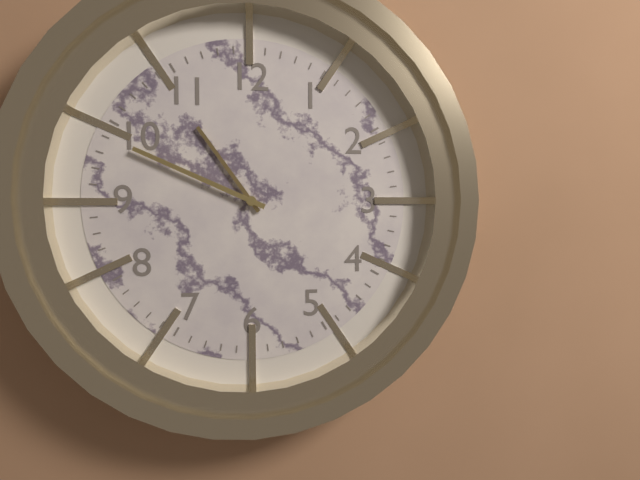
10:49
